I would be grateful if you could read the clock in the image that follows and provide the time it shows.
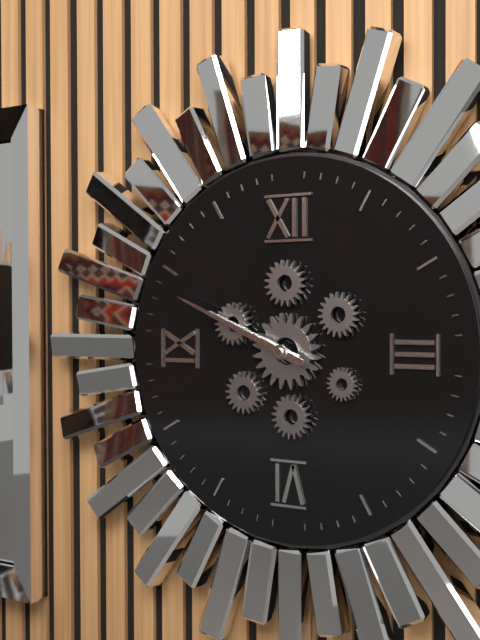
9:49
